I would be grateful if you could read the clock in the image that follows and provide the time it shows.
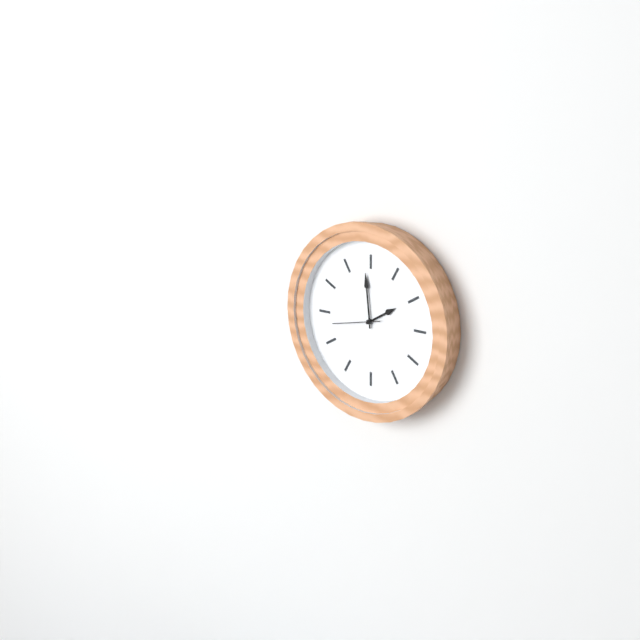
1:59
